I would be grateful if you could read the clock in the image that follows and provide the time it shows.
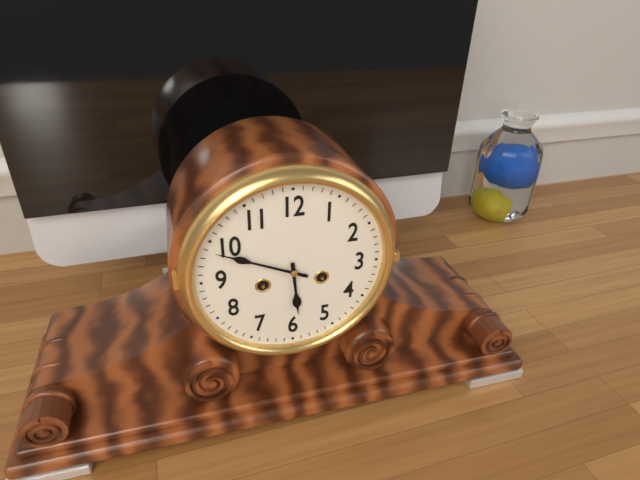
5:49
